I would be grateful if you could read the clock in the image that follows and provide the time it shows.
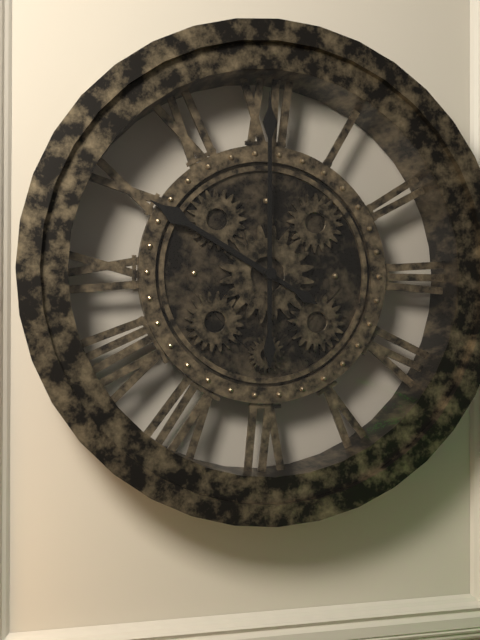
10:00
